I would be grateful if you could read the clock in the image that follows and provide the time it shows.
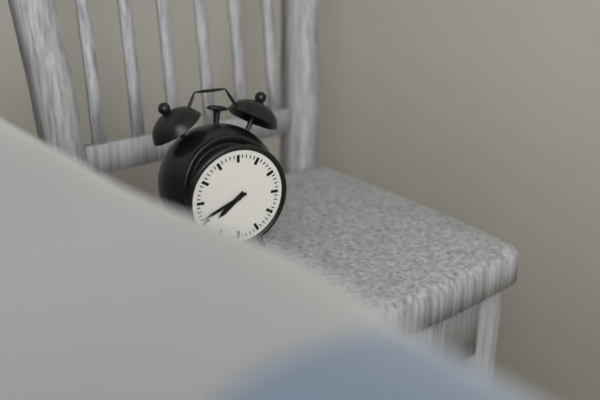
7:41
